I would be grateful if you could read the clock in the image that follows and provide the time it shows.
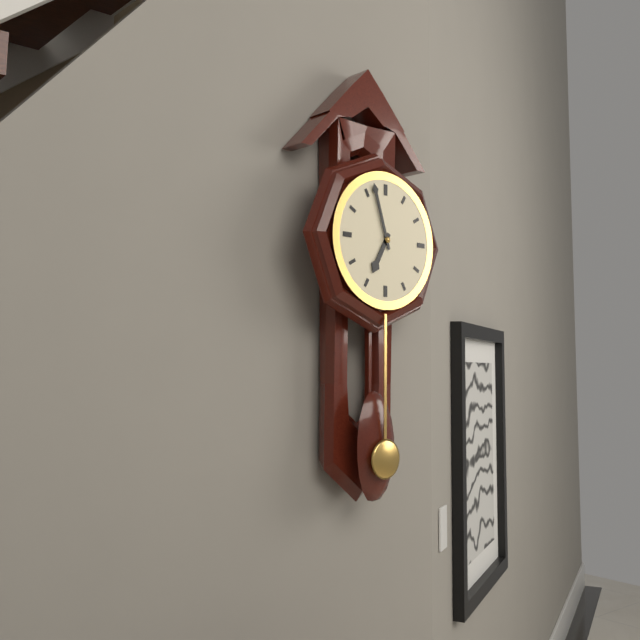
6:57
